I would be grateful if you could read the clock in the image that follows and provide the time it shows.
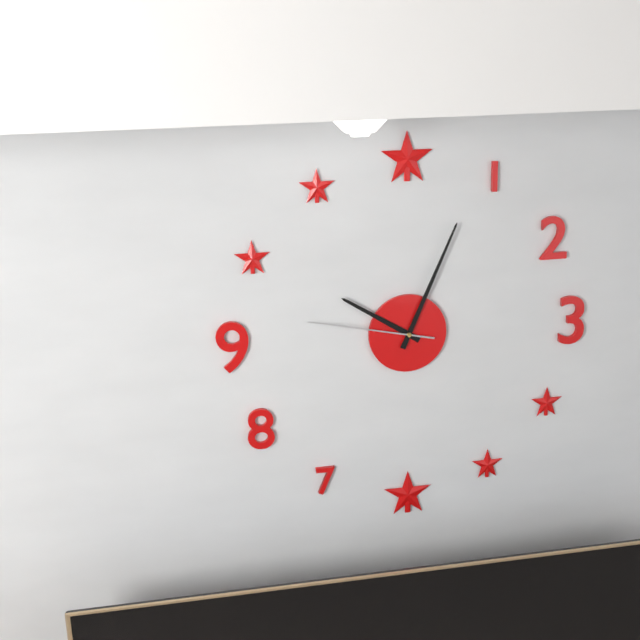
10:04:47
